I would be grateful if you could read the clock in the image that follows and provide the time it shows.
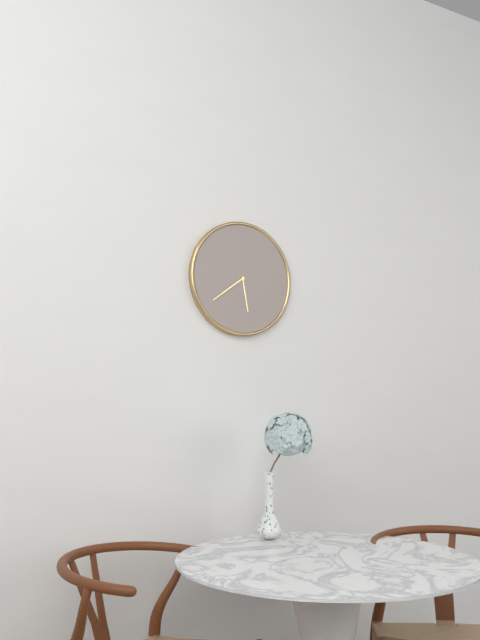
5:39
